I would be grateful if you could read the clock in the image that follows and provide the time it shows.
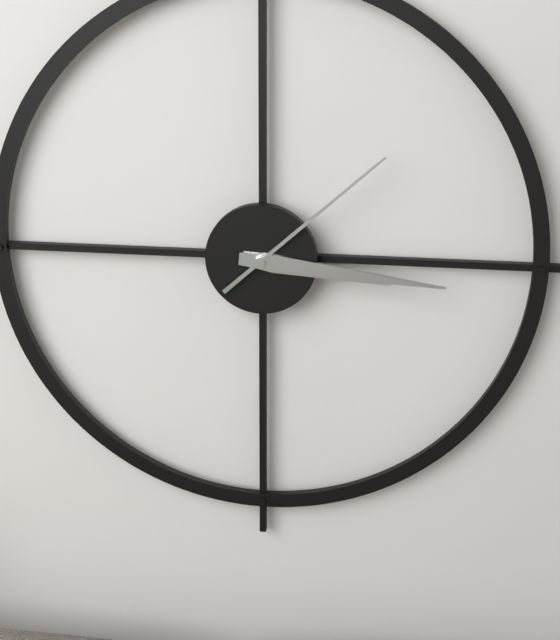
3:16:08
